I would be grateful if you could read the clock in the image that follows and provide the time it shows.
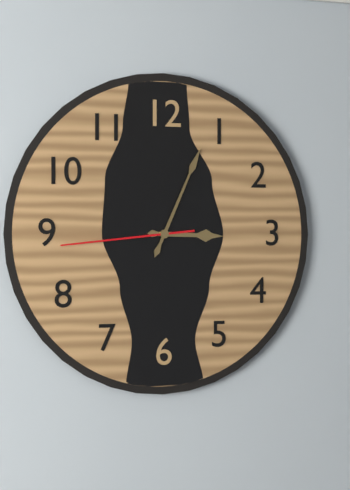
3:04:44
